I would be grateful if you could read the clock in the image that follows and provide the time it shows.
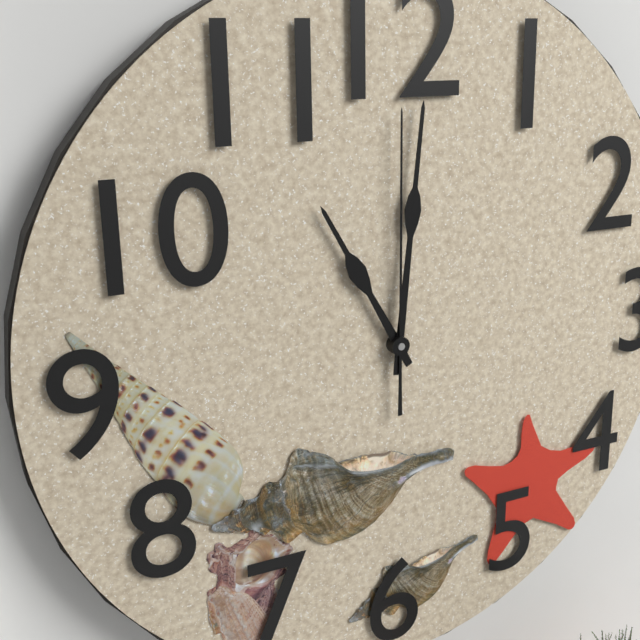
11:01:00
